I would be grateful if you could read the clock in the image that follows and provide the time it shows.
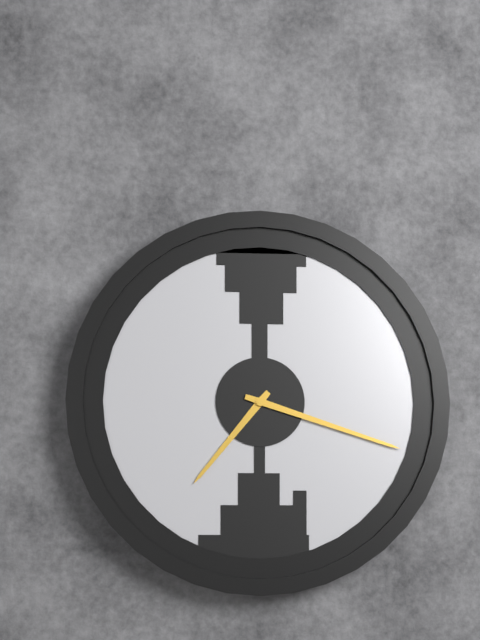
7:18
